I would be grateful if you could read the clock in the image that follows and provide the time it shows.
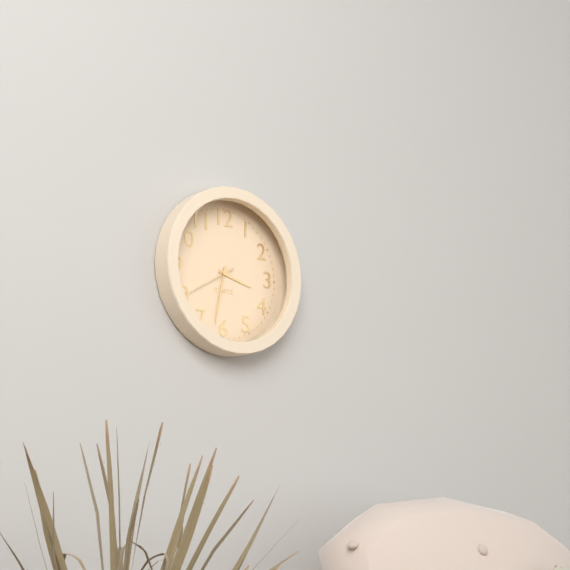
3:32:40
